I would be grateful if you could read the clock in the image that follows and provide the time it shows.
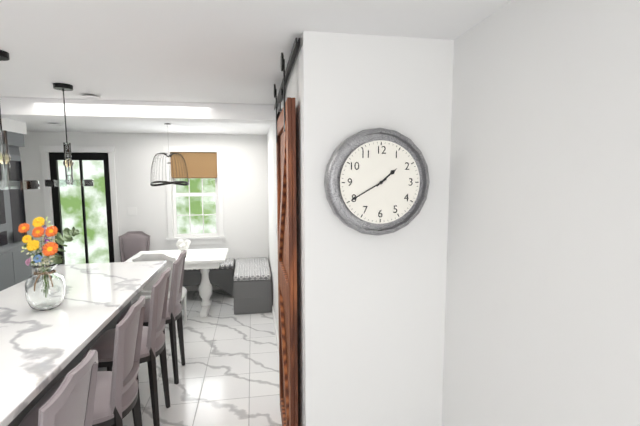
1:40
